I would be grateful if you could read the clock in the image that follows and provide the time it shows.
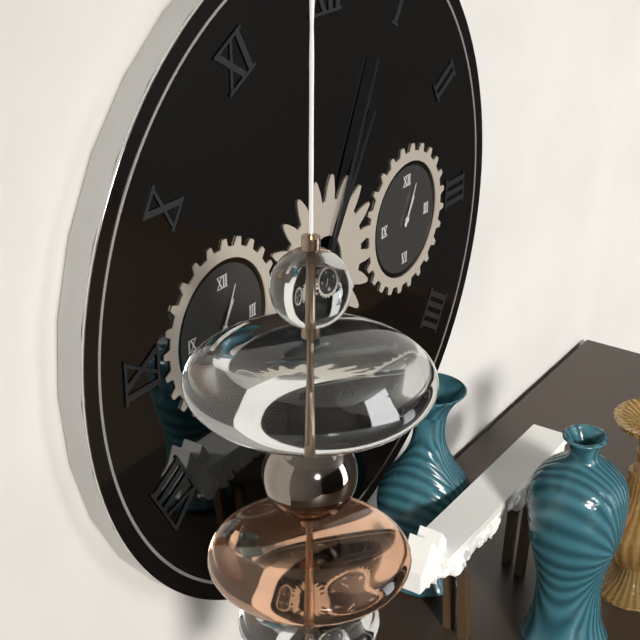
1:04
